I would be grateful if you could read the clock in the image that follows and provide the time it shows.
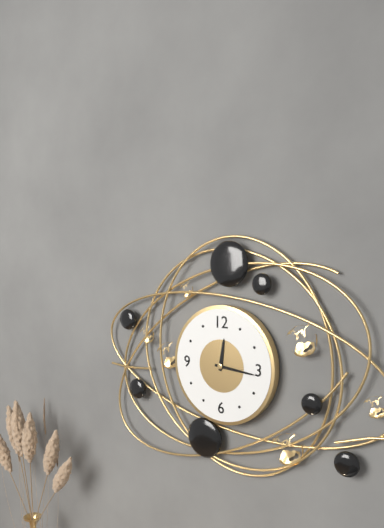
12:16
